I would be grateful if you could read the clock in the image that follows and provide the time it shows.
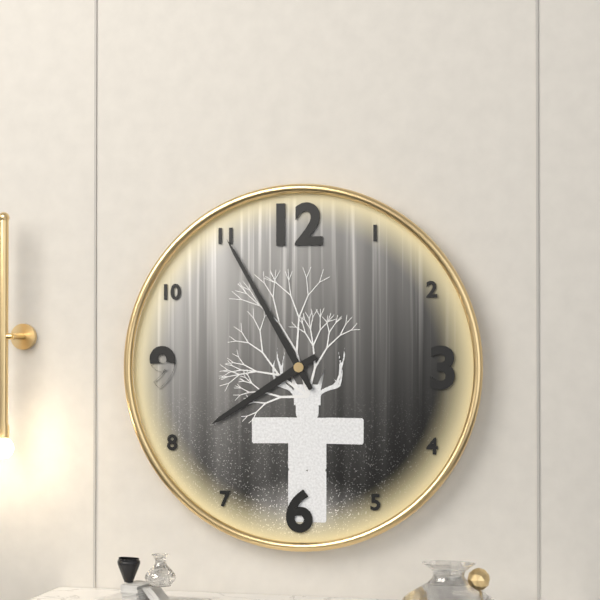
7:55
